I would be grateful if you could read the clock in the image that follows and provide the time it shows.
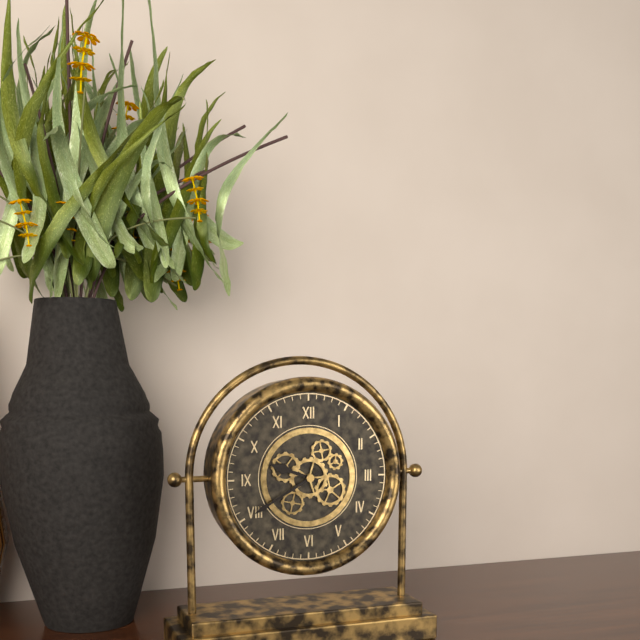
9:40
